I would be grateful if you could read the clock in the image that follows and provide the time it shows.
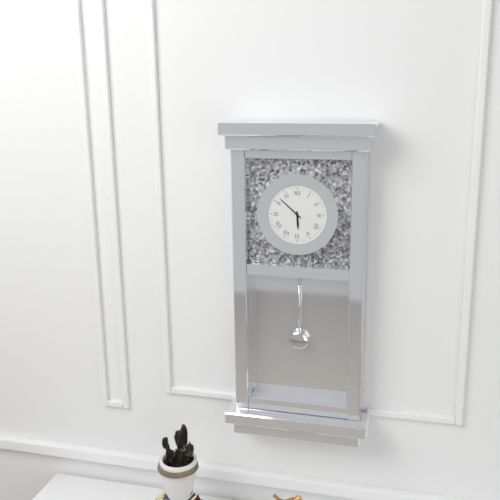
5:52
